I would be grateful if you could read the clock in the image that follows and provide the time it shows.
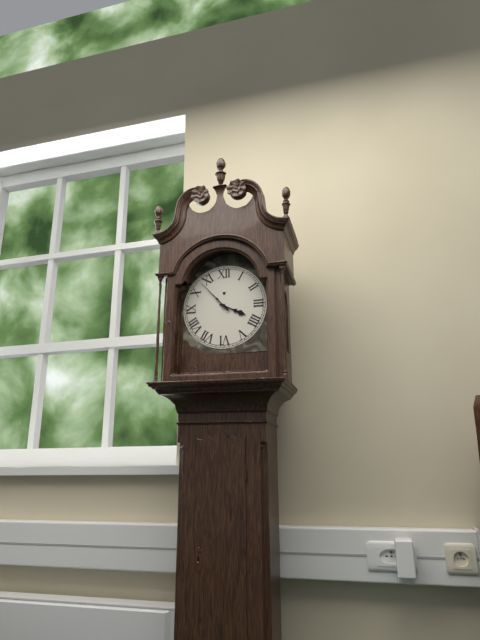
3:53
